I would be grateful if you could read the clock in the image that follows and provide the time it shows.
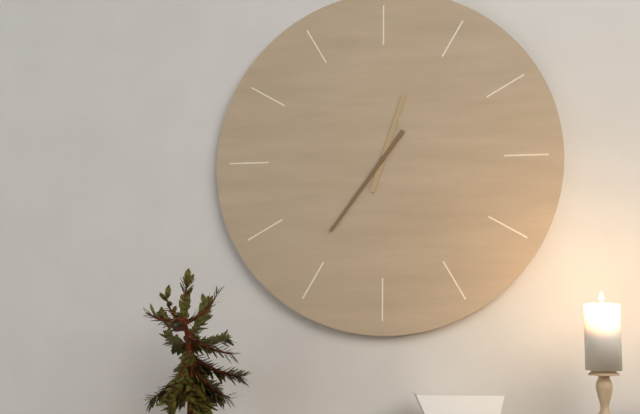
12:36
